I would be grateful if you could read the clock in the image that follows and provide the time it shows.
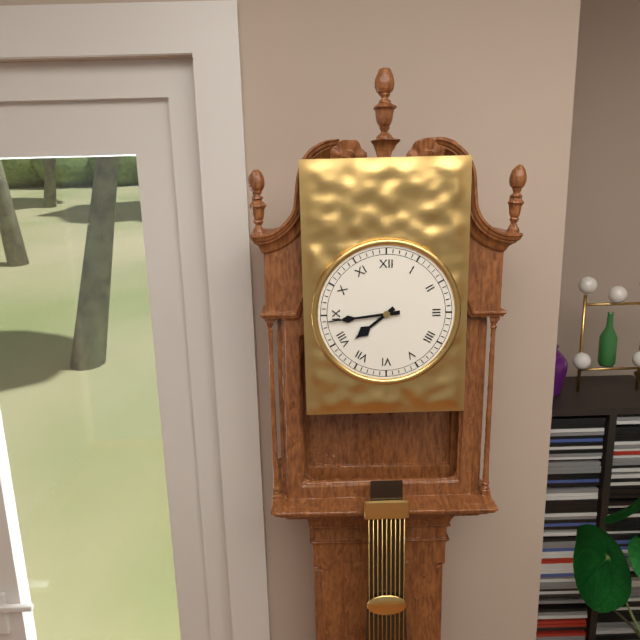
7:44
